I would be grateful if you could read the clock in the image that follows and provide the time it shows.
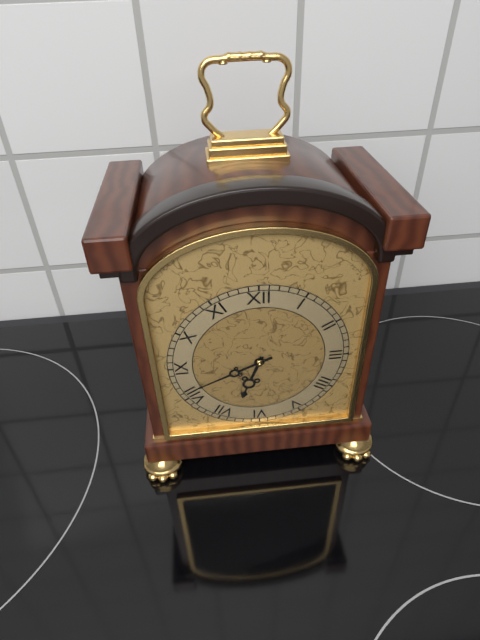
6:41
